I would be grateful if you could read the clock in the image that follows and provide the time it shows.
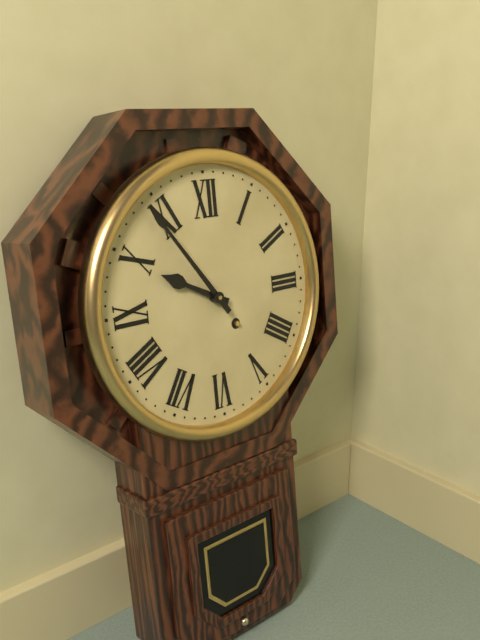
9:54
